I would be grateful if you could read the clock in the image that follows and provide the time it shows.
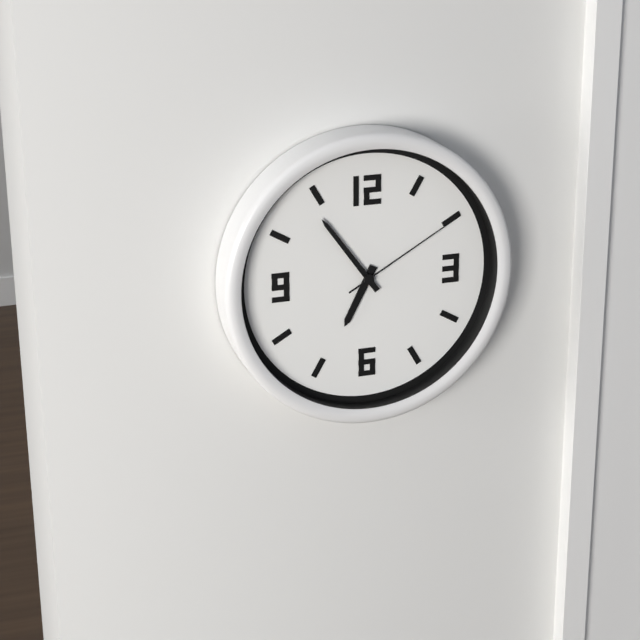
6:54:10
